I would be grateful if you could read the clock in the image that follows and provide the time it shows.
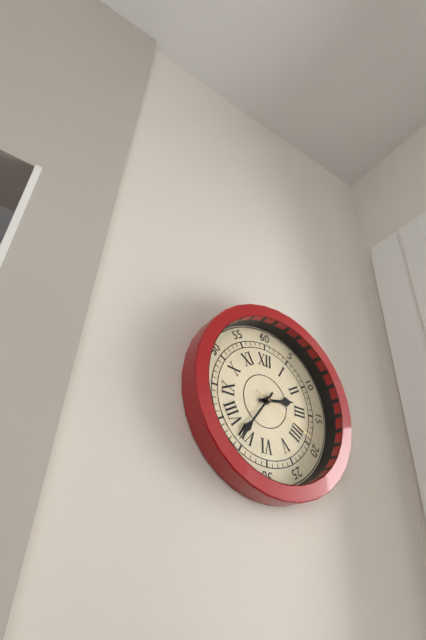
2:36:19
